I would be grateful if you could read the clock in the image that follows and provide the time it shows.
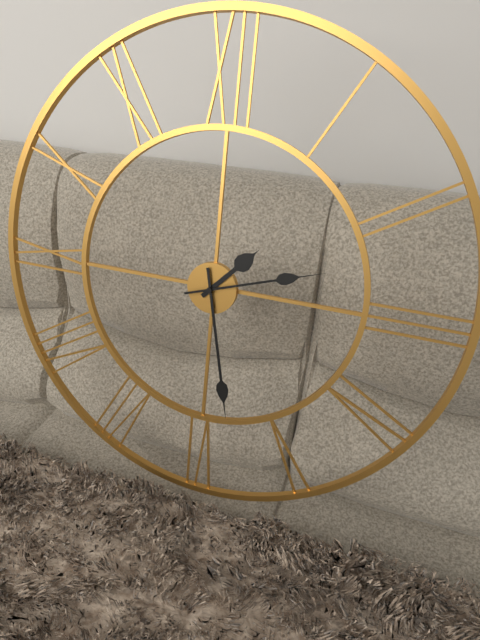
1:28:12
